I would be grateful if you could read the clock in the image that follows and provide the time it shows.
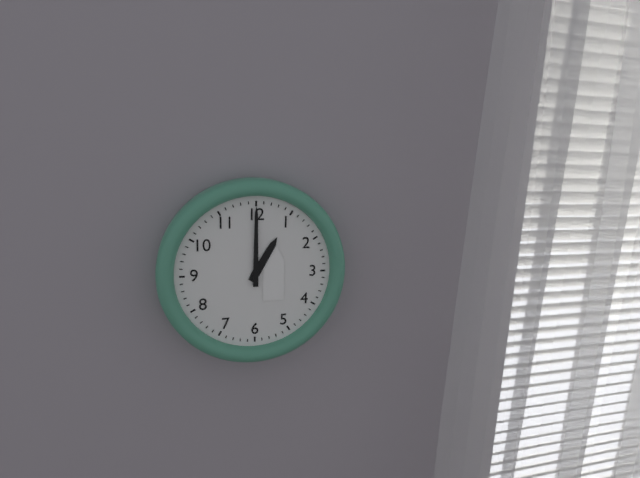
1:00
